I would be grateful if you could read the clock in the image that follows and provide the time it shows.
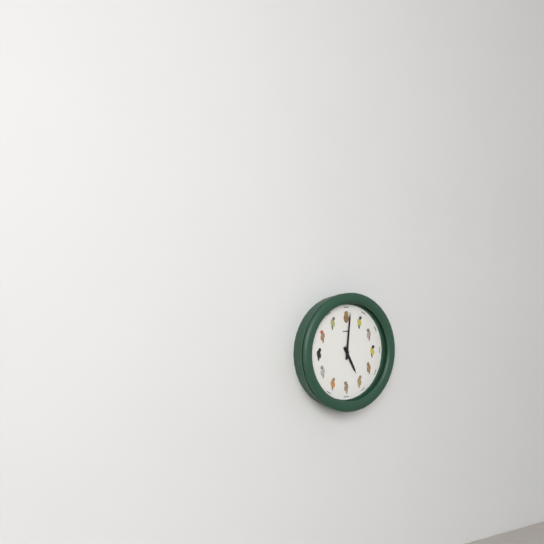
5:01
